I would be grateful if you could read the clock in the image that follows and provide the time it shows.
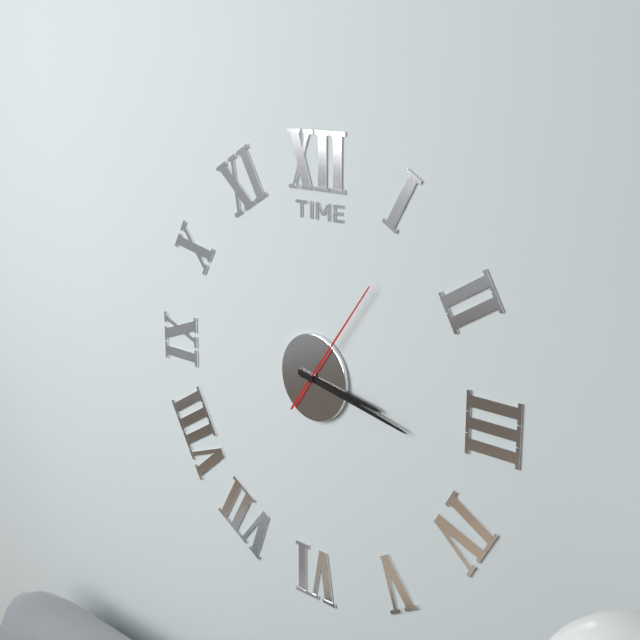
3:17:06
